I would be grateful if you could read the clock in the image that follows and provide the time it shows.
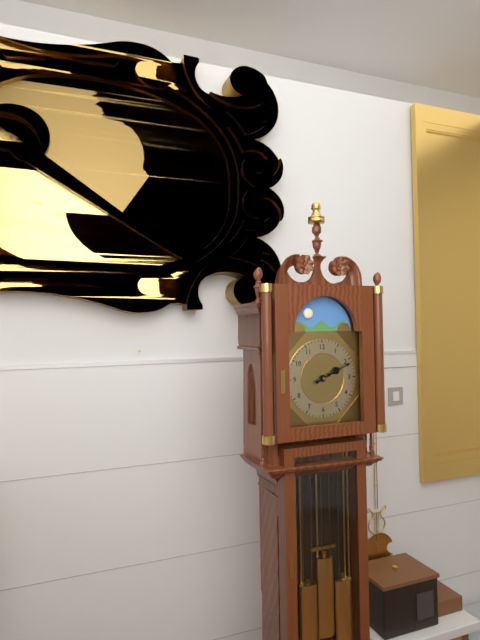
2:11
